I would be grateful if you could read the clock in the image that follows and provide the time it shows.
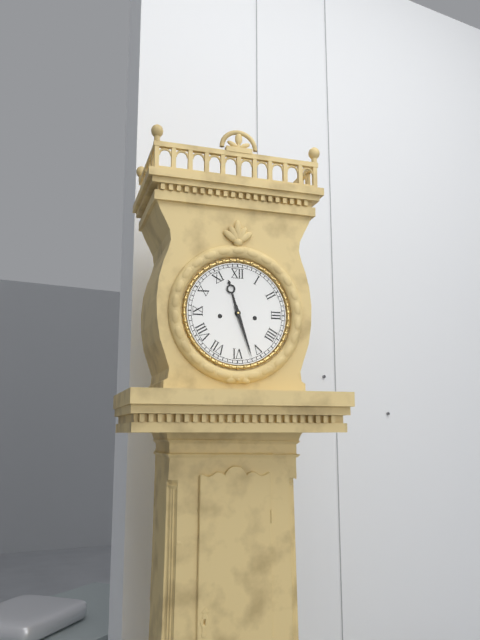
11:27
